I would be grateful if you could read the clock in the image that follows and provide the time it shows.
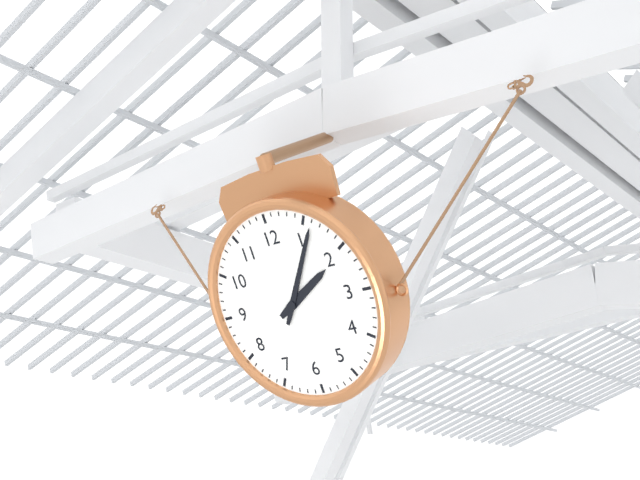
2:06
